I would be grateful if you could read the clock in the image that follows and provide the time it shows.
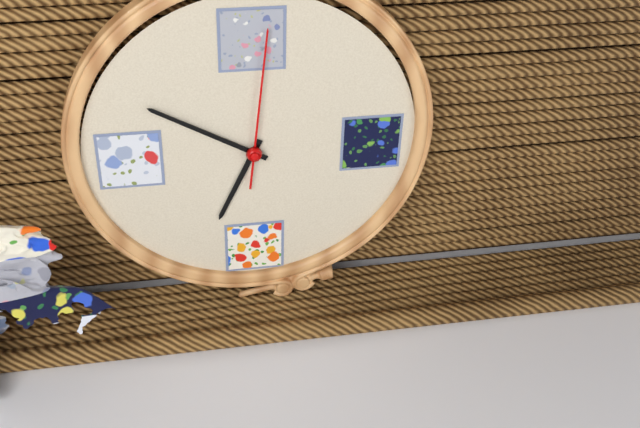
6:50:01
